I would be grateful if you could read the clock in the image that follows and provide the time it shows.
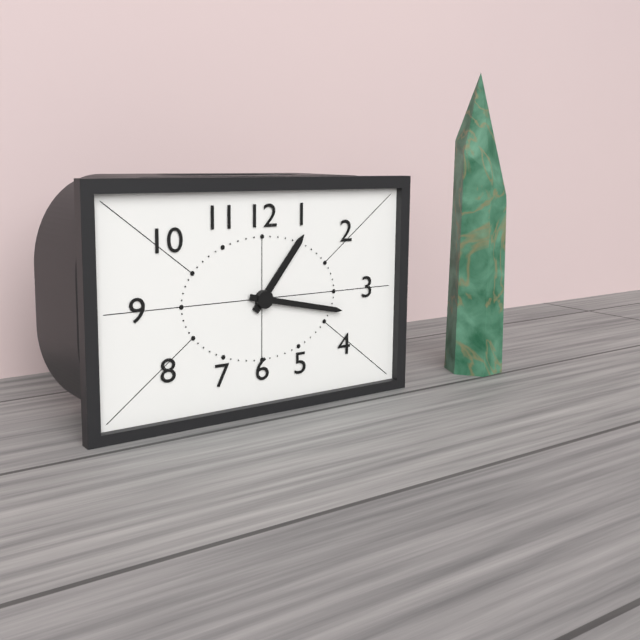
1:17
